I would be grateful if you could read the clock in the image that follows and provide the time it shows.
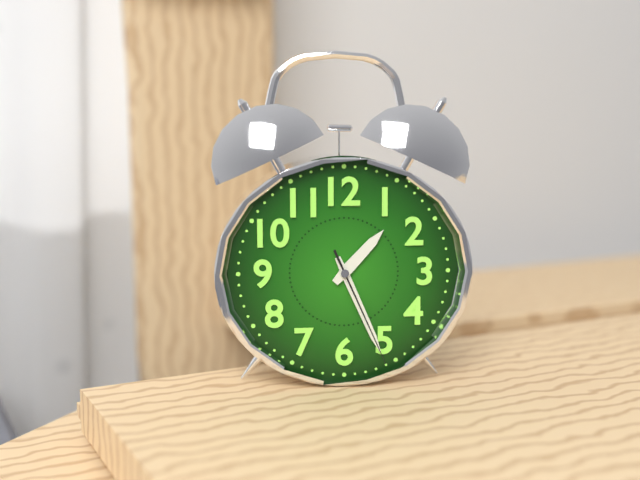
1:26:26
